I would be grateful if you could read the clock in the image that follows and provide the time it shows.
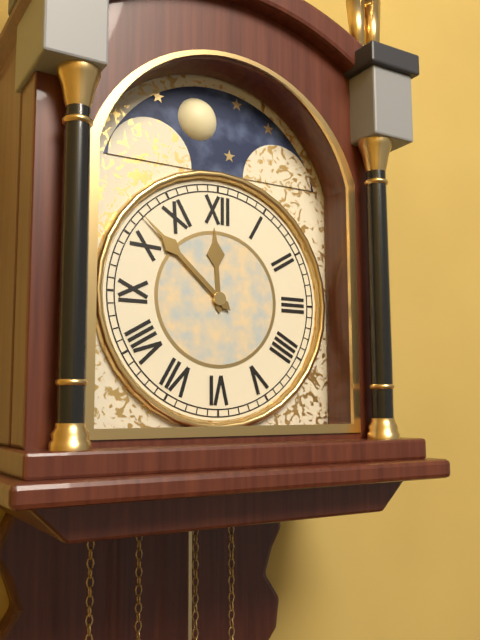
11:52
